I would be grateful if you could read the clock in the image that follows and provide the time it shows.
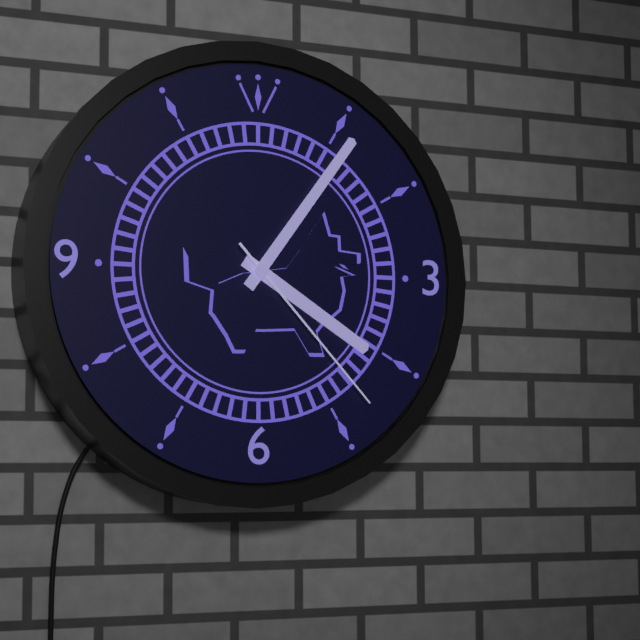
4:06:23
